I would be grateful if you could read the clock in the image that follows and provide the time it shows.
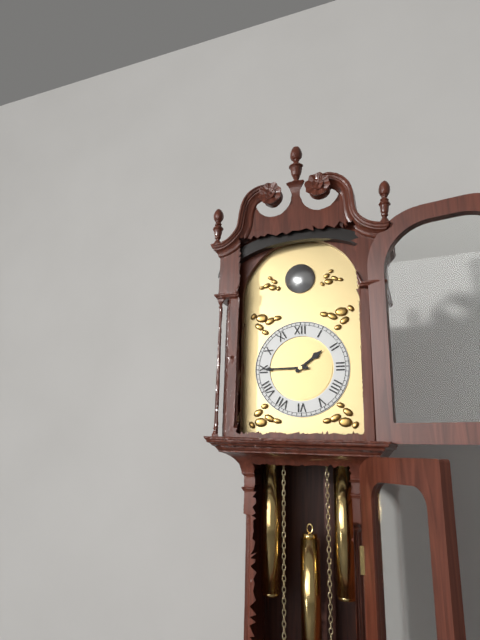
1:45
